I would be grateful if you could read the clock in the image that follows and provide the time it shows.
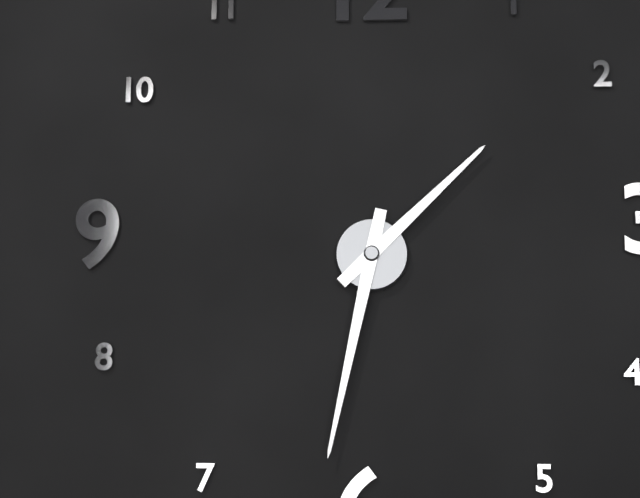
1:32
